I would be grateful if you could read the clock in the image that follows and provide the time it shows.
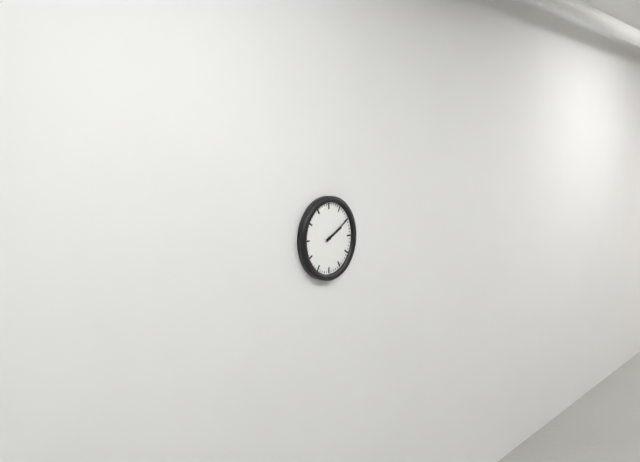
2:10
